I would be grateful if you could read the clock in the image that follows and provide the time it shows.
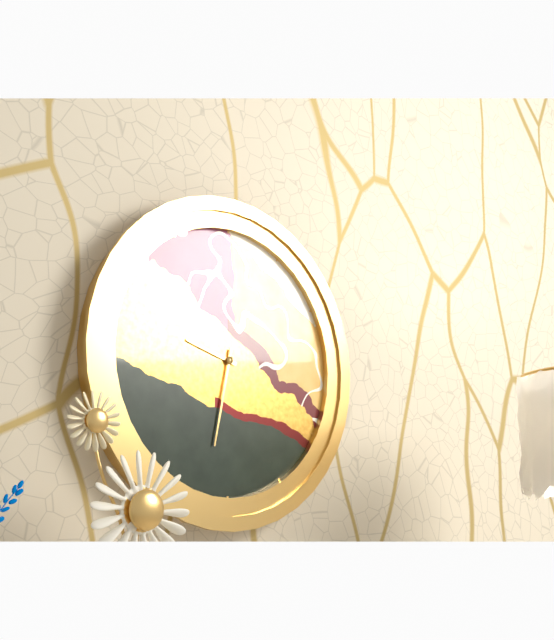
9:32
